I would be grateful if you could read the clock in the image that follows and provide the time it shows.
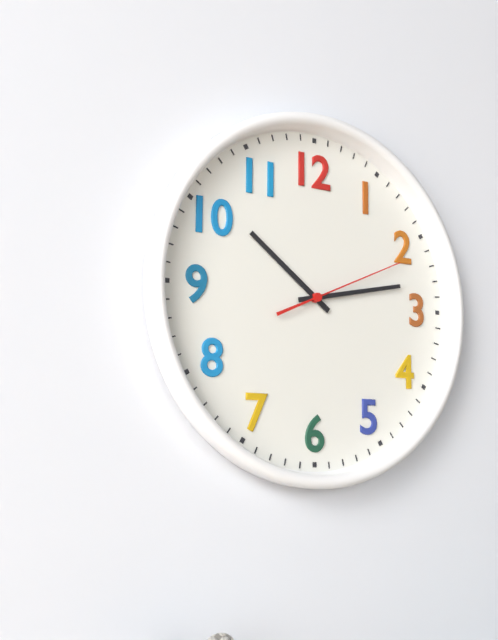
10:13:11
